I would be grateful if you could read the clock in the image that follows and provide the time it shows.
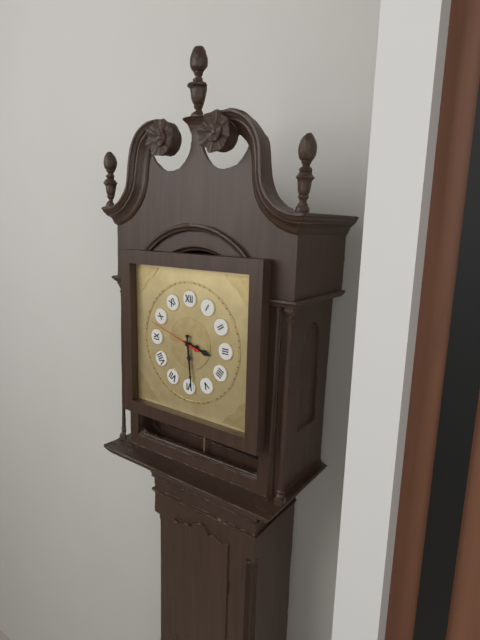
3:29:48
